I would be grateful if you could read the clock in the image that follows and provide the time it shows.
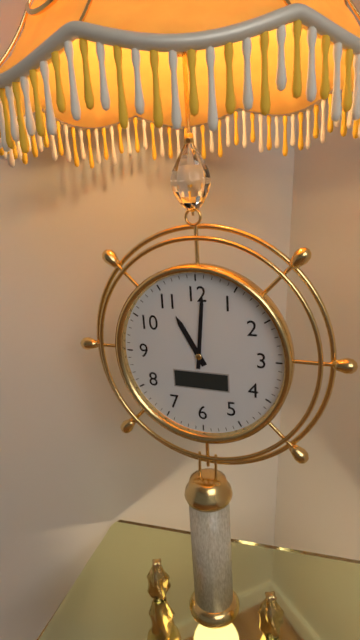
11:01
